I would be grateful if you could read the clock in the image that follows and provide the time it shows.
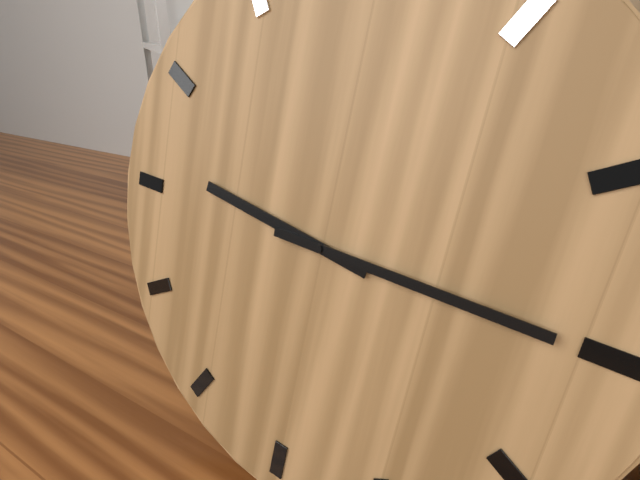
9:15
